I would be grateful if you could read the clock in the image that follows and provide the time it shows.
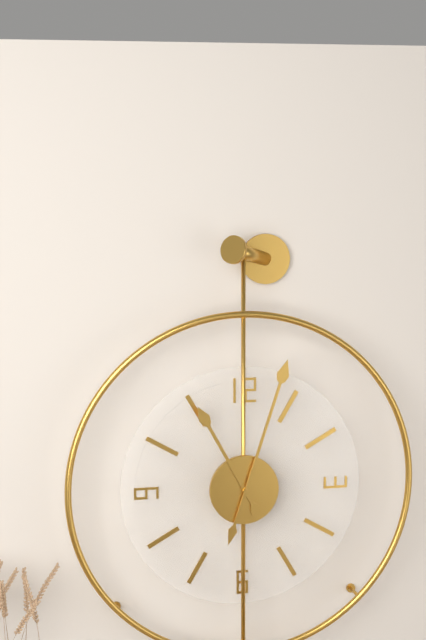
11:03
